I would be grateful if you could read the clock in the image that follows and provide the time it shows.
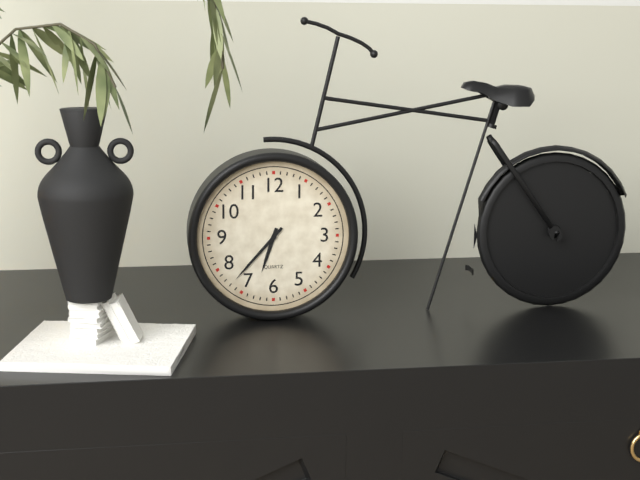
6:37
